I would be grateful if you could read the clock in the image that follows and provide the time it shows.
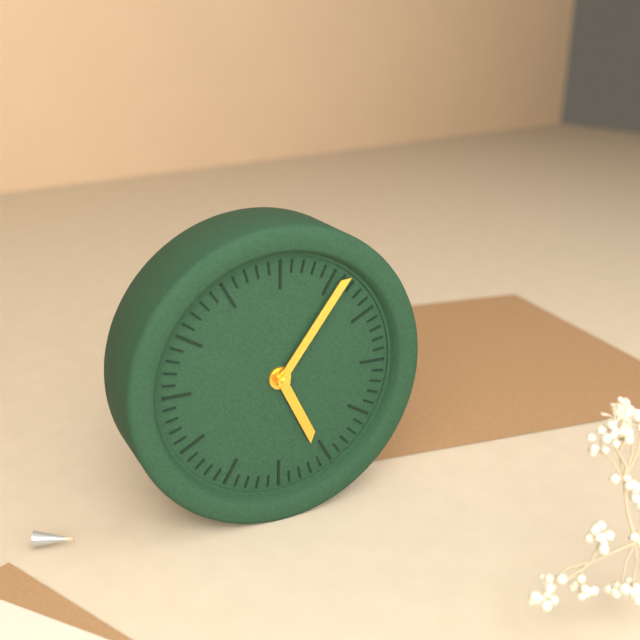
5:06
